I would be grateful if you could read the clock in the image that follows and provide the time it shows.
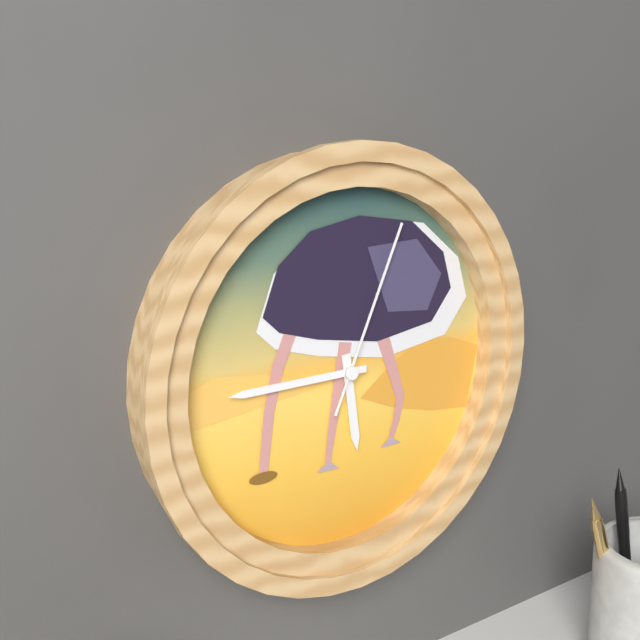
5:45:04
